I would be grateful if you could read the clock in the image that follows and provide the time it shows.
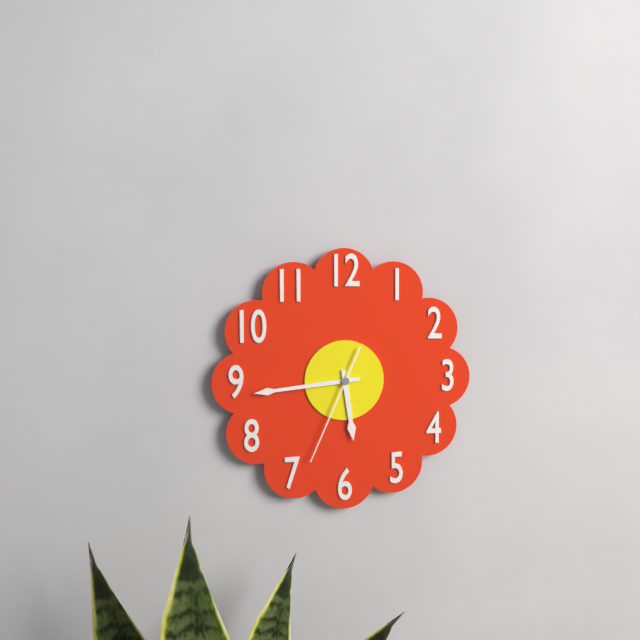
5:44:34
